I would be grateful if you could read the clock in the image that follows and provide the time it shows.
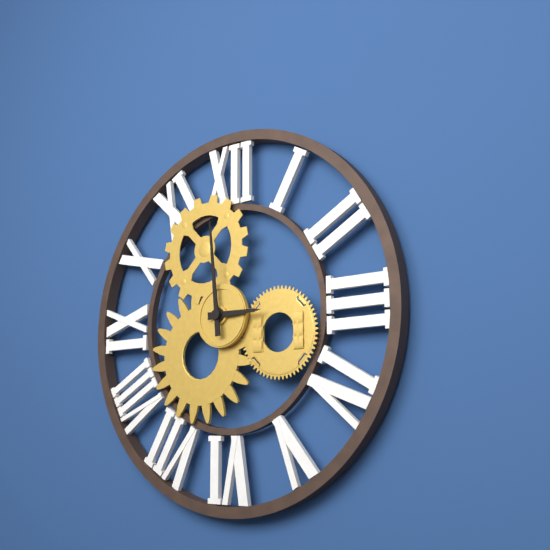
2:59
